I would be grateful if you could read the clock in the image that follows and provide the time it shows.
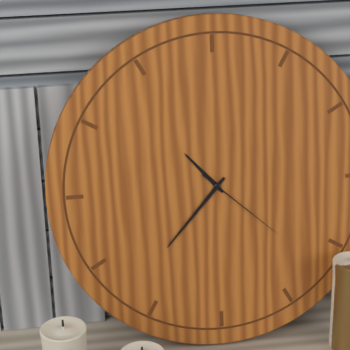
10:37:22
